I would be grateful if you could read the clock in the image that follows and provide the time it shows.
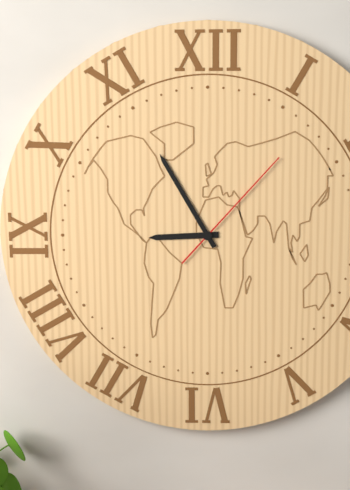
8:55:07
